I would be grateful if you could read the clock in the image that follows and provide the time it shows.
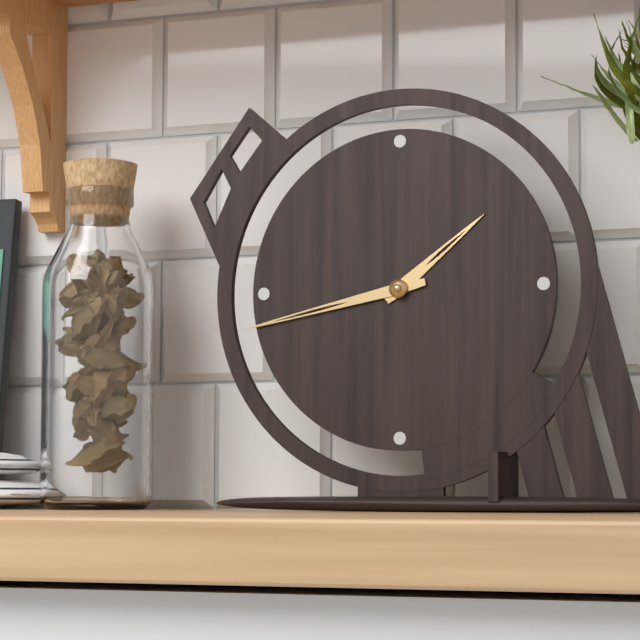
1:43
